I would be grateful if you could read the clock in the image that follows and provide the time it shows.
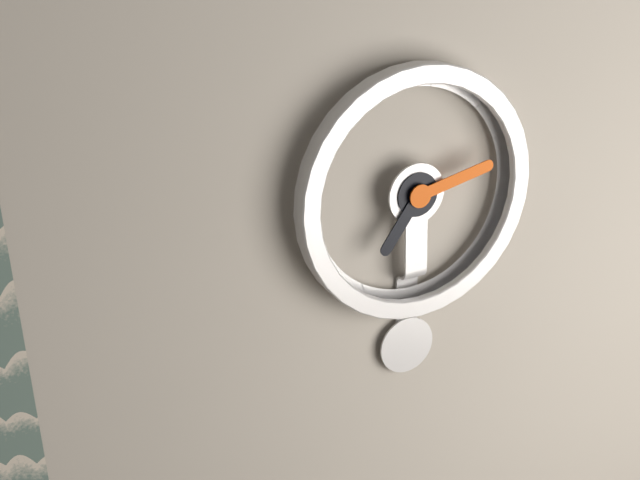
7:13
